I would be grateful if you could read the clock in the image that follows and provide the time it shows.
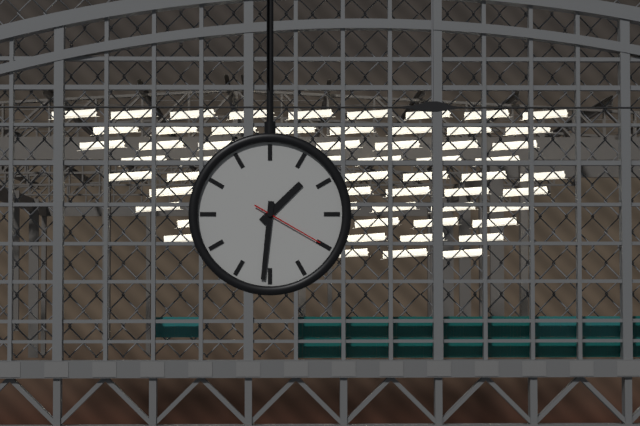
1:31:20
